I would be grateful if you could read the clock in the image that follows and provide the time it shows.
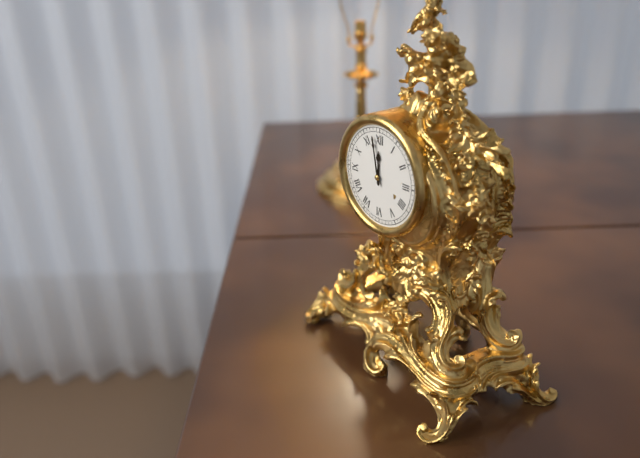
11:58
